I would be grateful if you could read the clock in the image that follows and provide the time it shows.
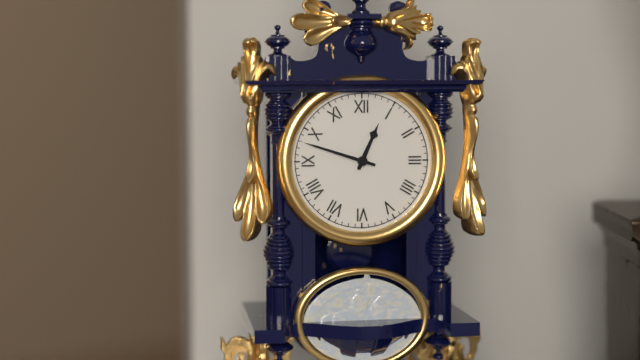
12:48
